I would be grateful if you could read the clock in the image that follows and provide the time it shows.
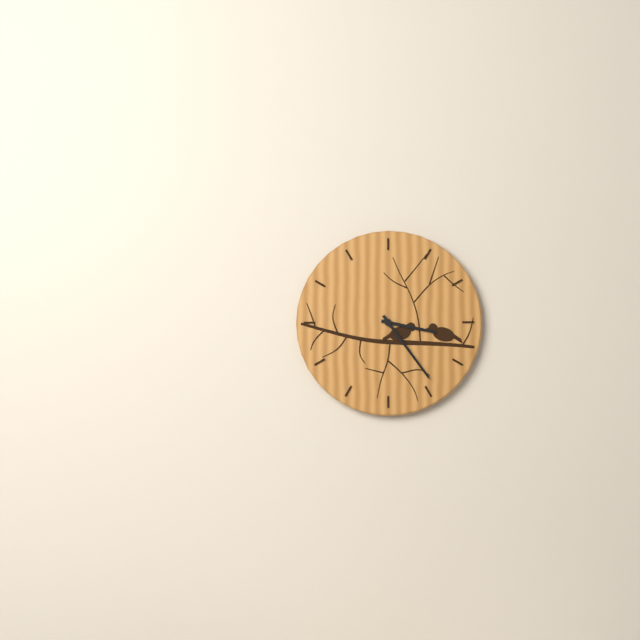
3:24
